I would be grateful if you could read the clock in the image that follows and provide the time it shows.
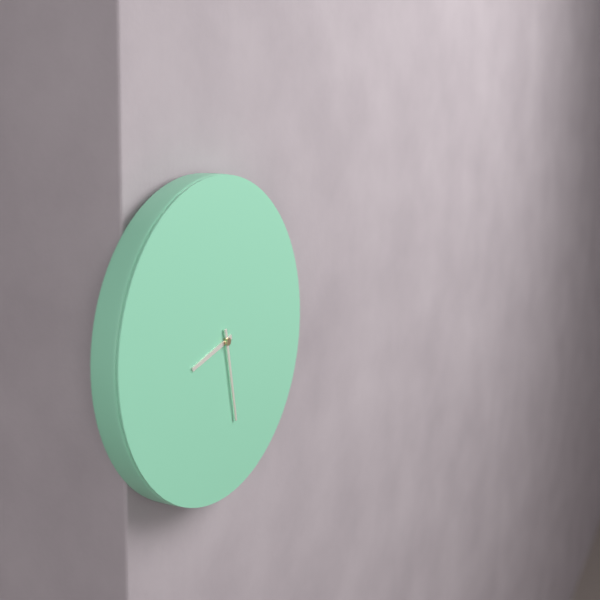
8:28
